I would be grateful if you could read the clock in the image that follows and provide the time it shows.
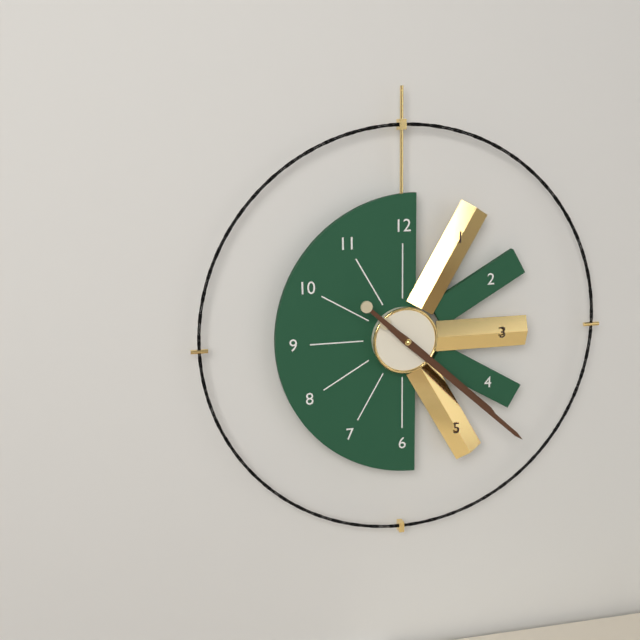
4:22
